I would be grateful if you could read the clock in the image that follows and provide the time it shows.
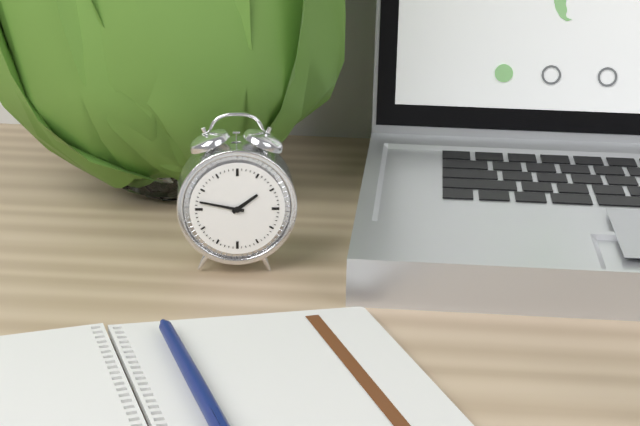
1:47
